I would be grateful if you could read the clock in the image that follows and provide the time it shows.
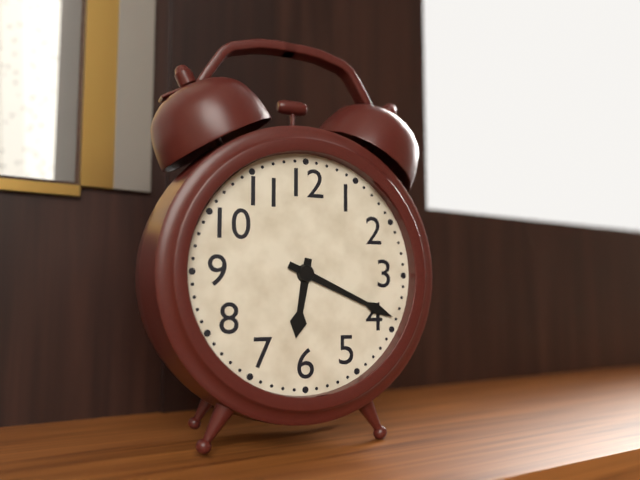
6:19
